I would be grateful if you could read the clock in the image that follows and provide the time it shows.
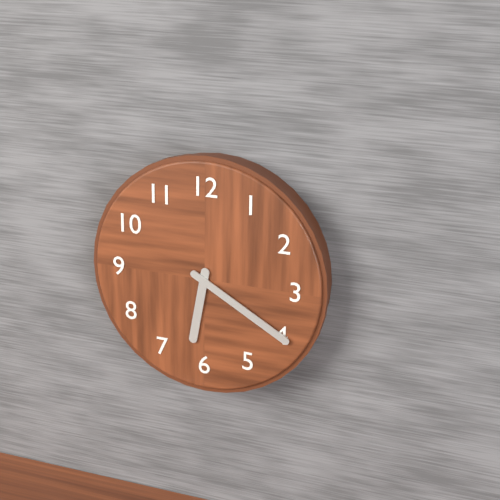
6:20
